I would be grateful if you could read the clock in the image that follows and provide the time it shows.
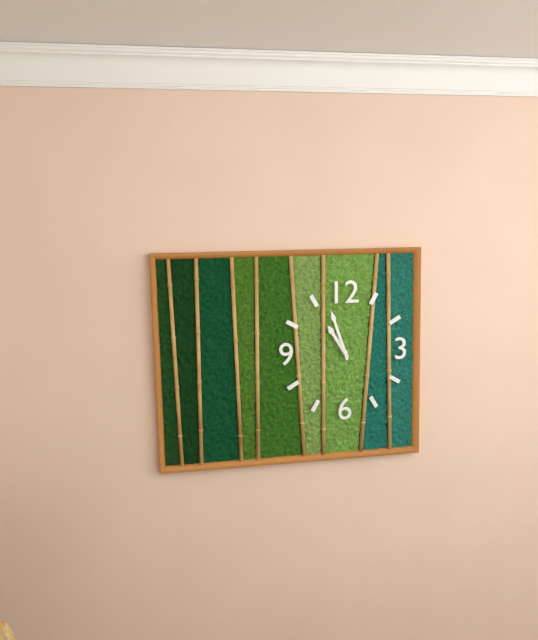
10:57
